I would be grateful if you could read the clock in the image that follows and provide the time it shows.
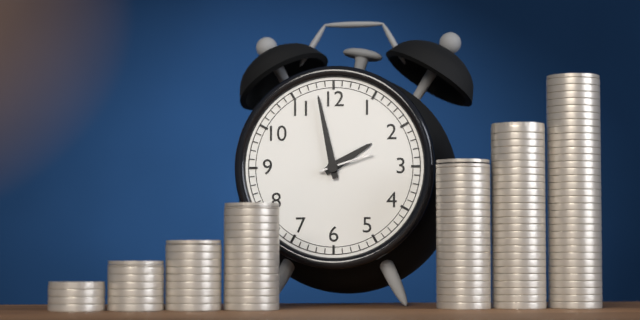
1:58:12
